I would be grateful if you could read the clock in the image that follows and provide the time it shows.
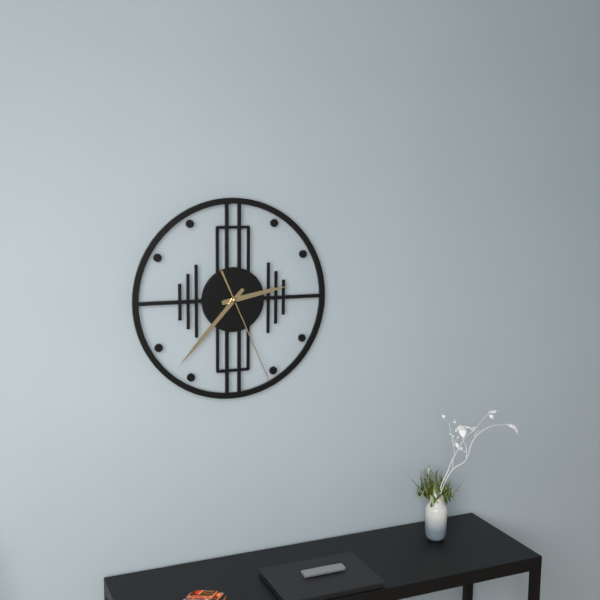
2:37:26
